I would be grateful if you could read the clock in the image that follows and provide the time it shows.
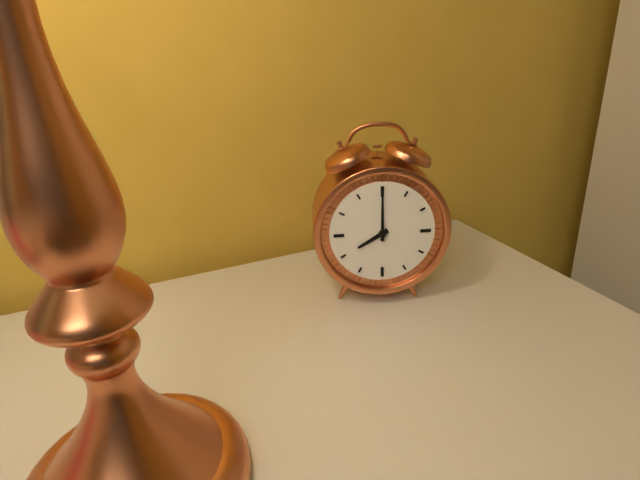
8:00
